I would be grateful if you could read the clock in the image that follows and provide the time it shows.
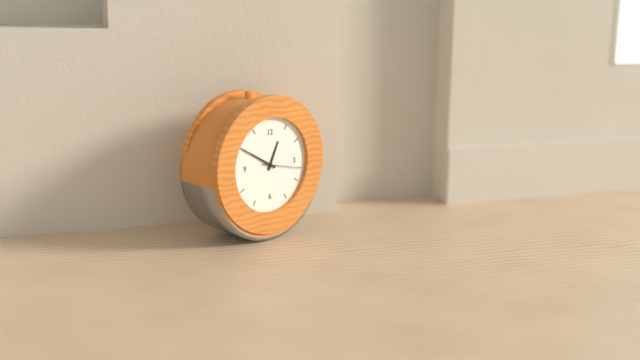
12:50
